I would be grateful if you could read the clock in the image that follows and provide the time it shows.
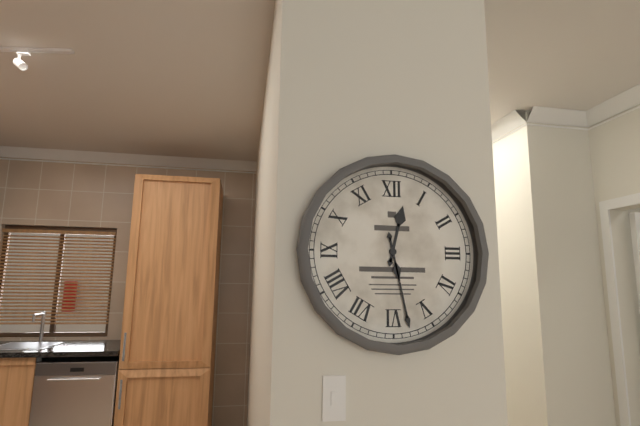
12:28
